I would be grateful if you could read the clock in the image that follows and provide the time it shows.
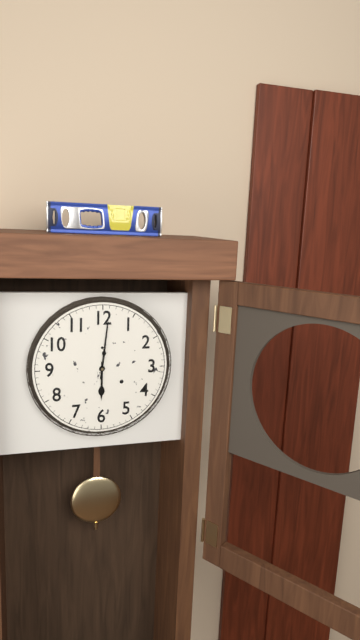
6:01
